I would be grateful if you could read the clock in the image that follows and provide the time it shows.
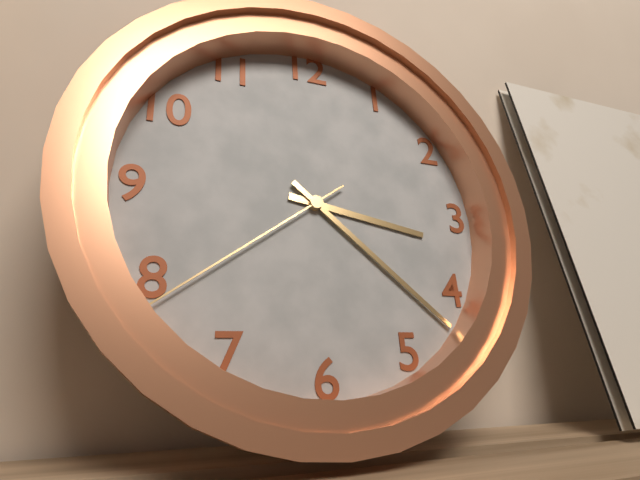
3:22:39
